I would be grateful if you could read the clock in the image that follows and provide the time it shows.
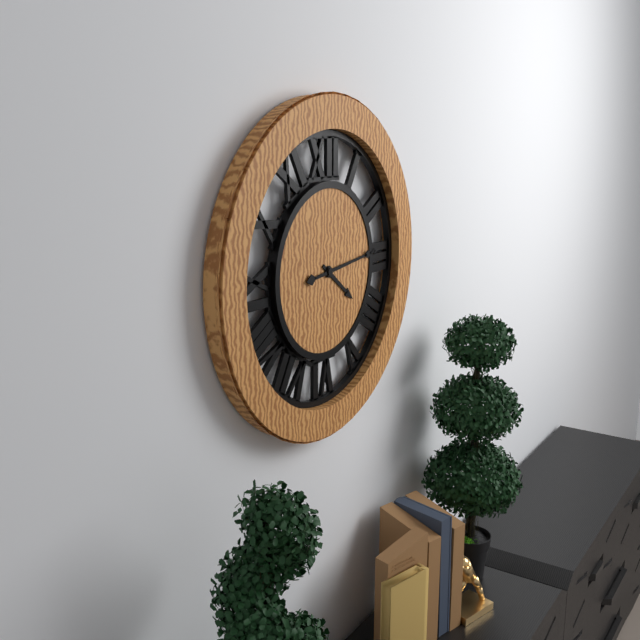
4:14
